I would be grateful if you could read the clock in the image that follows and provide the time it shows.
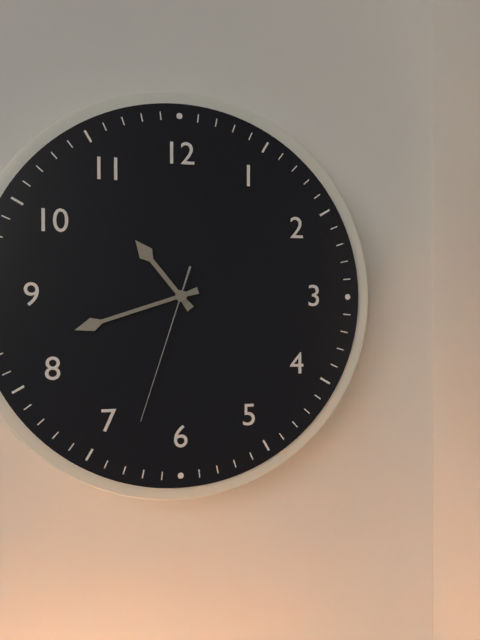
10:42:33
